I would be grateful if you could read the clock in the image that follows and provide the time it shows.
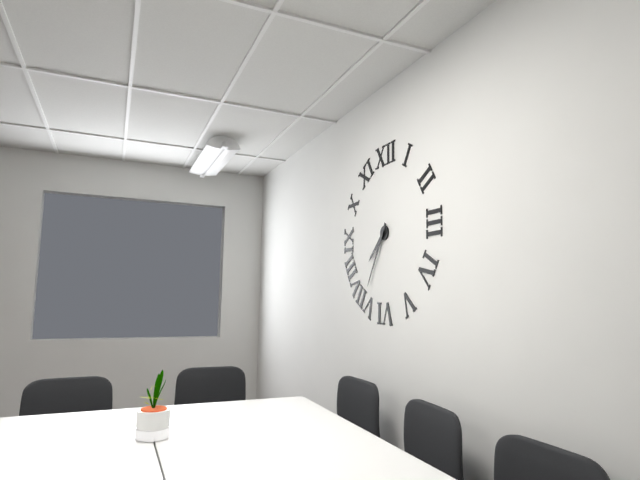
7:35
